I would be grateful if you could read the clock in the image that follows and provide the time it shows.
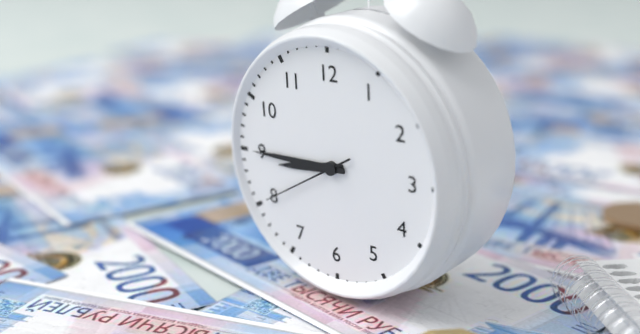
8:45:40
